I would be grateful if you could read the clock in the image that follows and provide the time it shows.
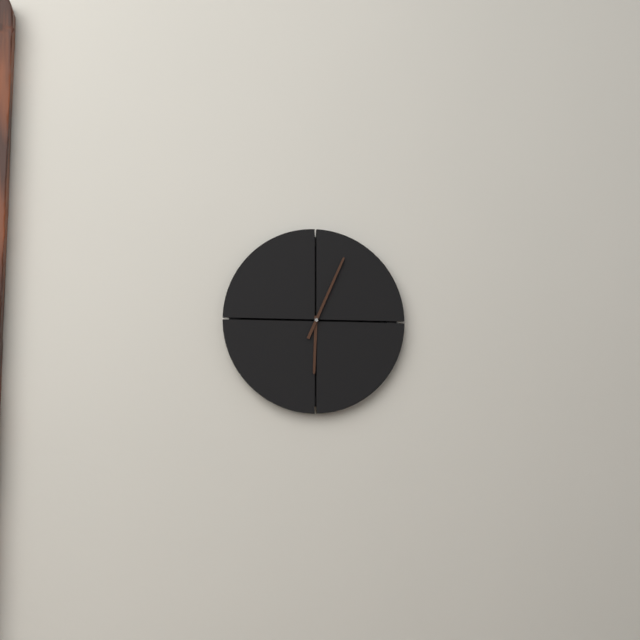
6:04
